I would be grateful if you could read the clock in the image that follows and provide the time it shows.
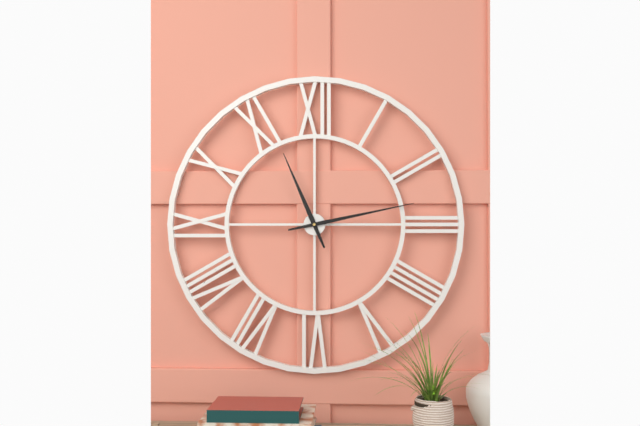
11:13
